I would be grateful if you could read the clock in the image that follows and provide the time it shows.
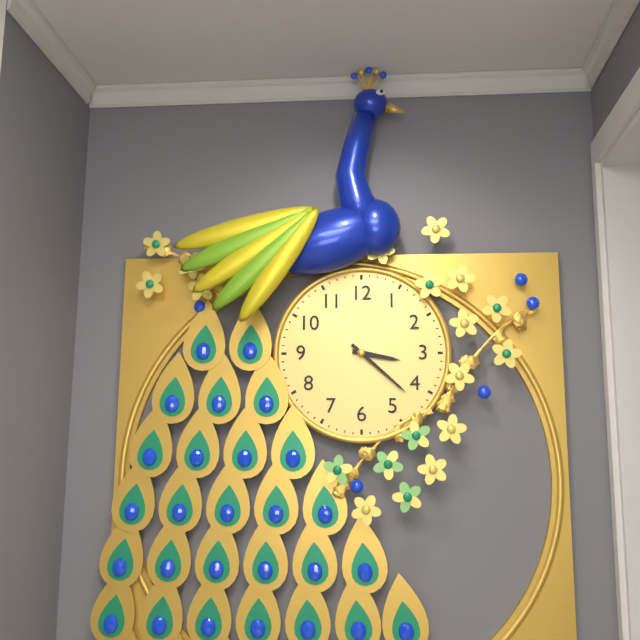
3:22
